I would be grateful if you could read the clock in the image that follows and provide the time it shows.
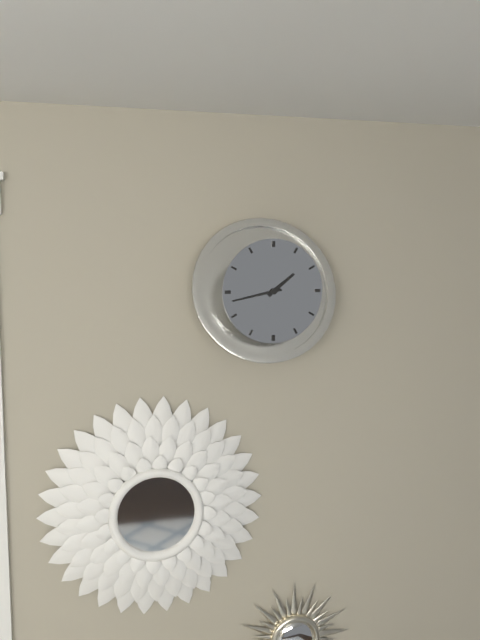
1:43
